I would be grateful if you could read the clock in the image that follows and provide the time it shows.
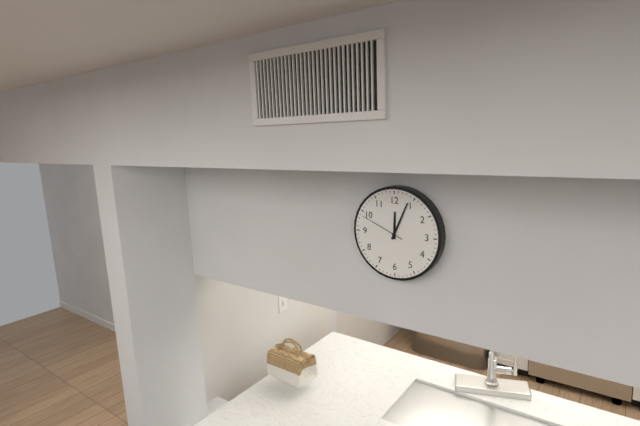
12:04
